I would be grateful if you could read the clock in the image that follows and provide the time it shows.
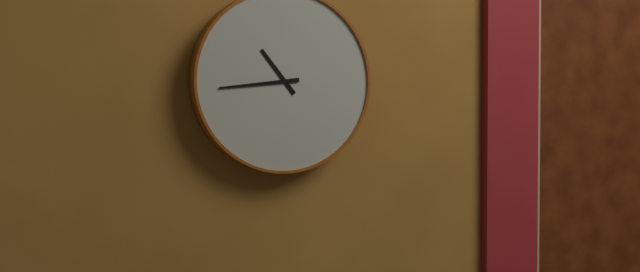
10:44
